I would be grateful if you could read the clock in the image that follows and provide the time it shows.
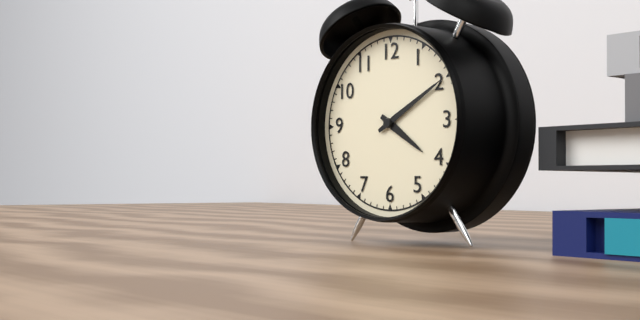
4:10
